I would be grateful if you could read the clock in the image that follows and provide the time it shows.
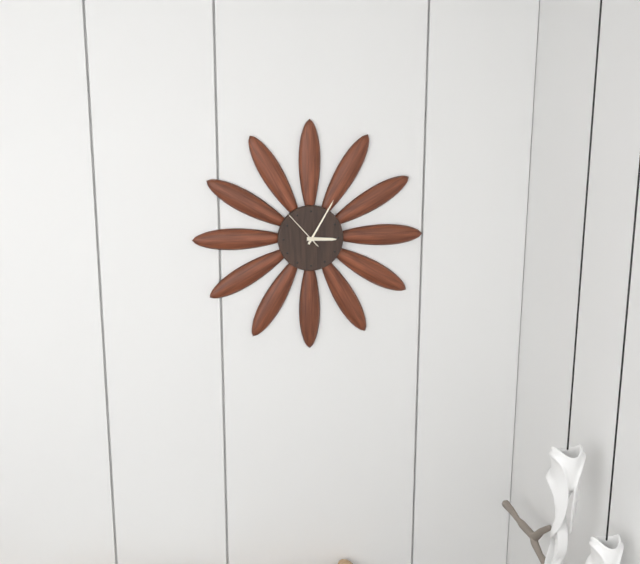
3:05
